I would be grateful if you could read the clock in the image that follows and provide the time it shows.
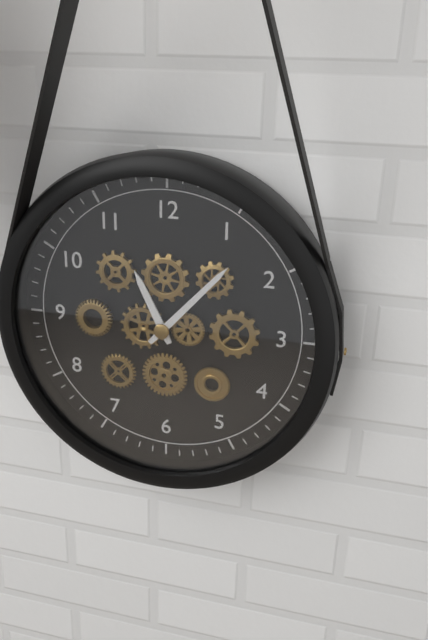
11:07
